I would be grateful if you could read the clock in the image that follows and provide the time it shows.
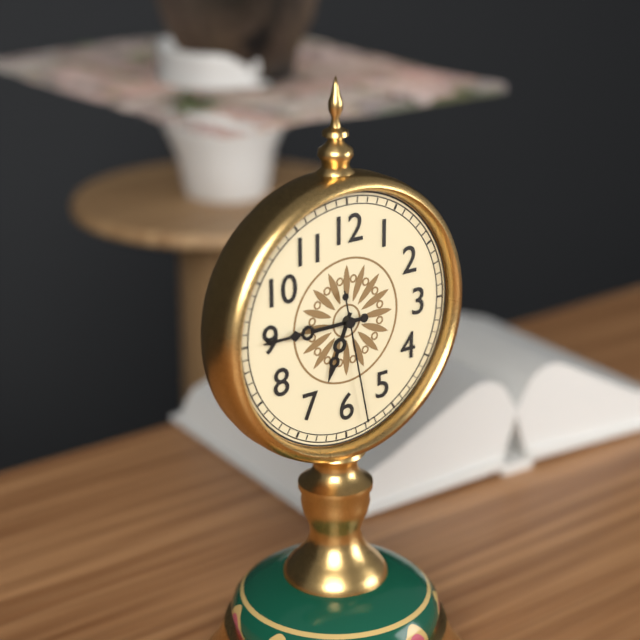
6:45:28
